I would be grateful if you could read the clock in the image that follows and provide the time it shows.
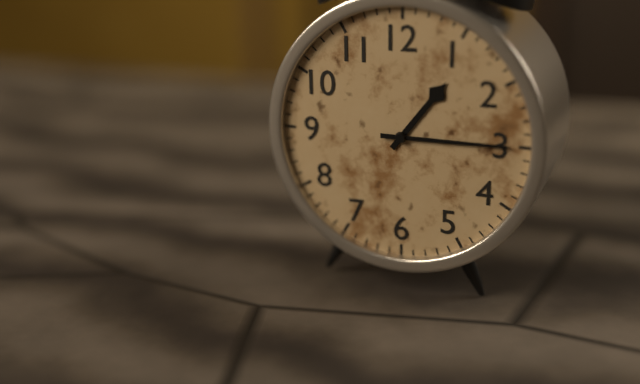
1:15
